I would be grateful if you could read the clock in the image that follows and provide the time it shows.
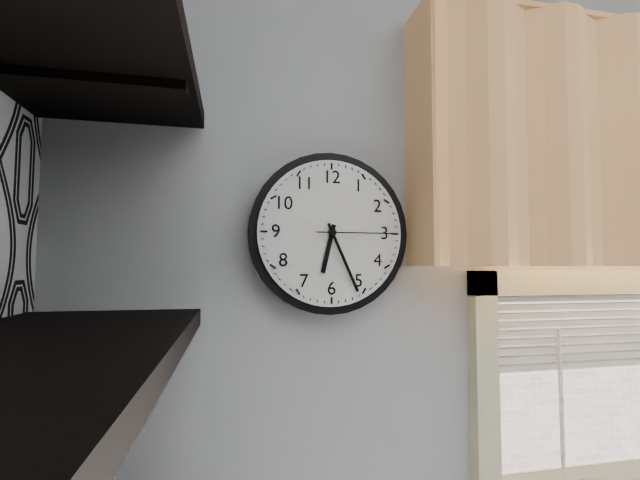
6:26:15
